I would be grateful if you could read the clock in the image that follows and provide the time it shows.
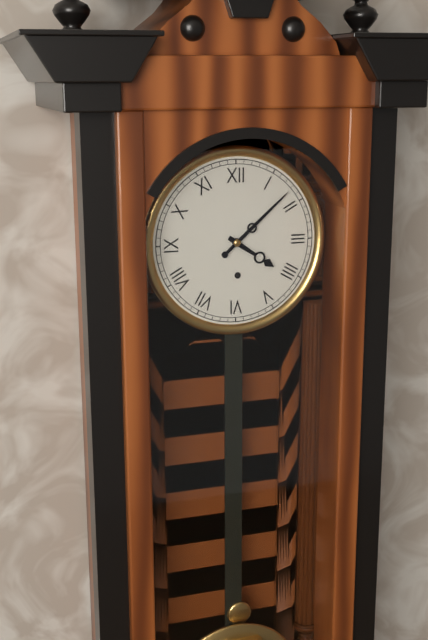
4:08
